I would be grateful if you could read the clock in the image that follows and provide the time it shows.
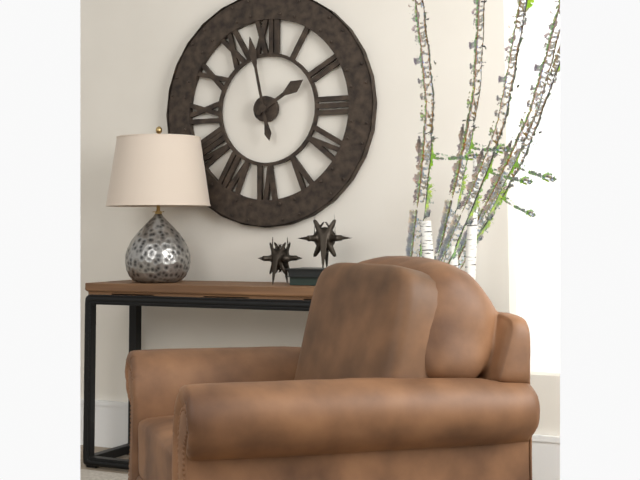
1:58
